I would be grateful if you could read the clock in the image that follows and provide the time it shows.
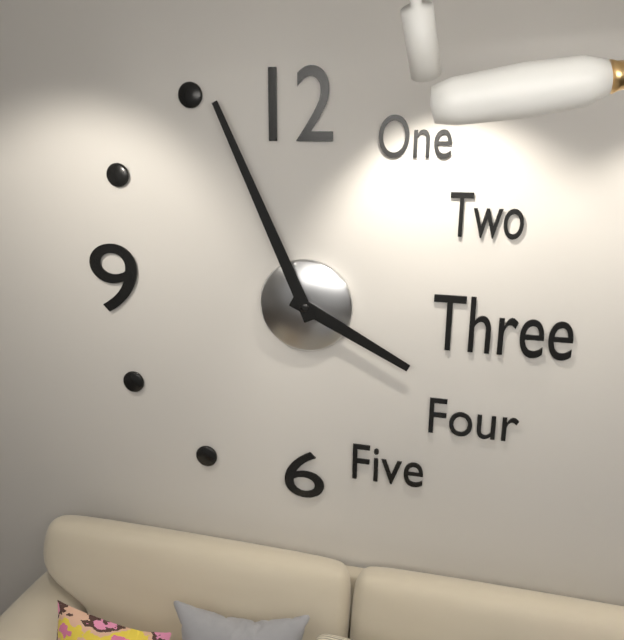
3:56
